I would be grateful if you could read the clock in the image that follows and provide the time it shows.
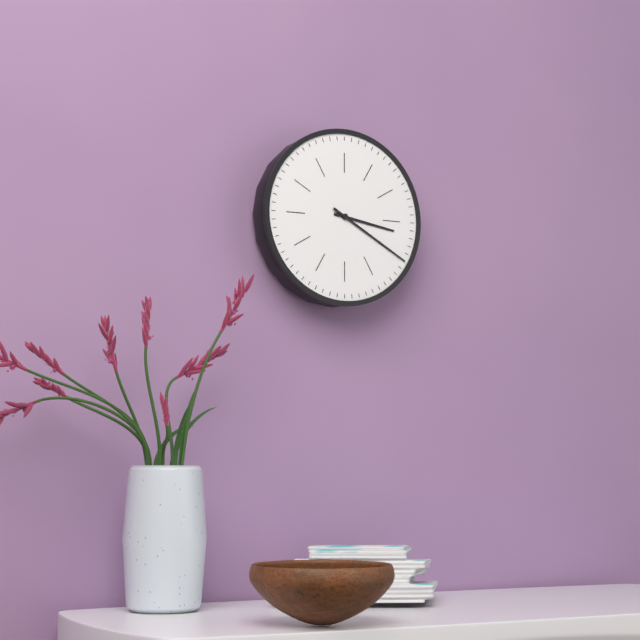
3:20
